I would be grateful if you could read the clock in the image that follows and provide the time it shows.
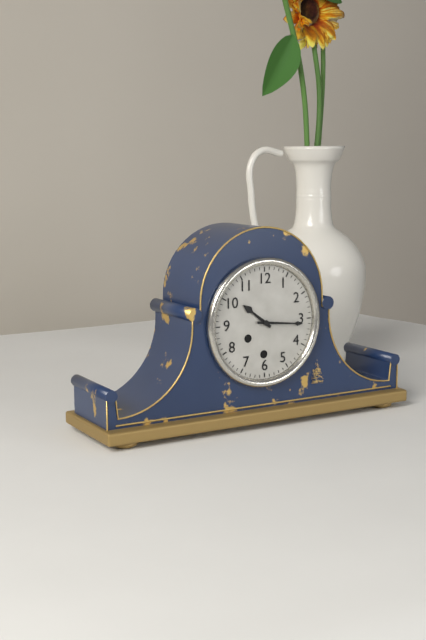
10:16
